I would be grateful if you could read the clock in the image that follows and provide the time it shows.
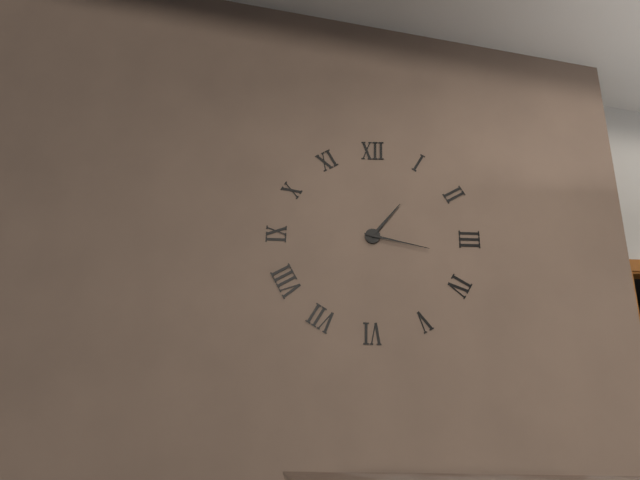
1:17
